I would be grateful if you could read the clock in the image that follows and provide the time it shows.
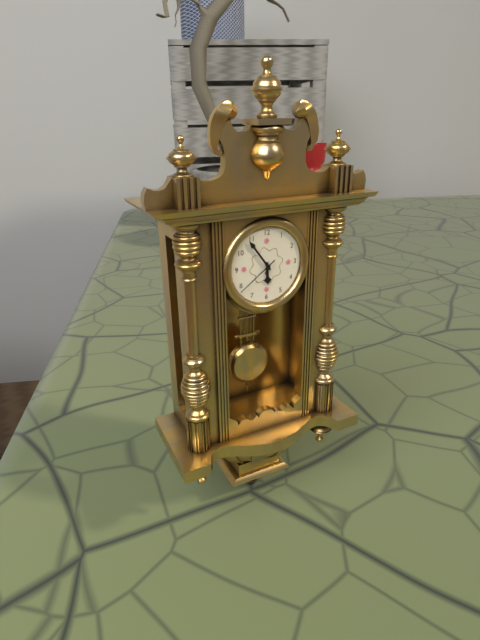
5:54
